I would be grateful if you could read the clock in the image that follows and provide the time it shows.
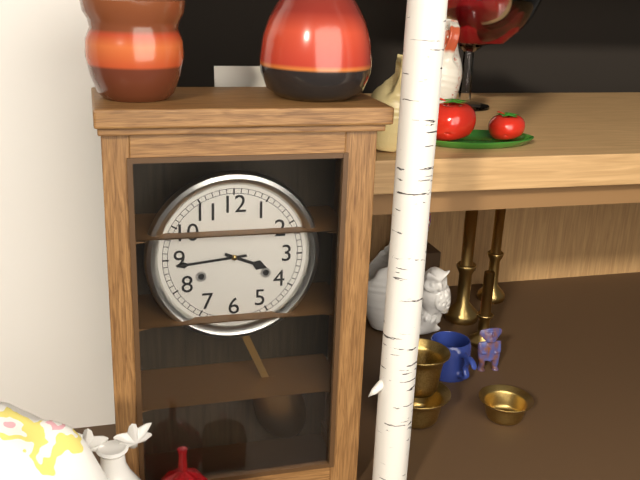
3:44
